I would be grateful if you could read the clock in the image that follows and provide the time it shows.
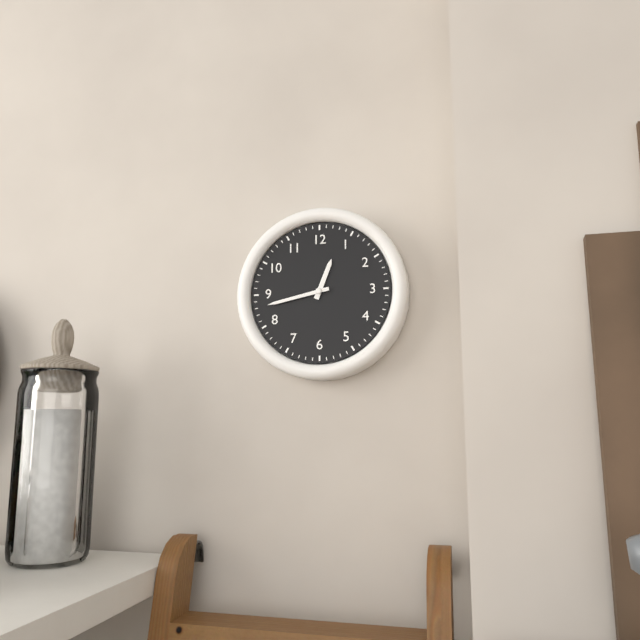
12:43
